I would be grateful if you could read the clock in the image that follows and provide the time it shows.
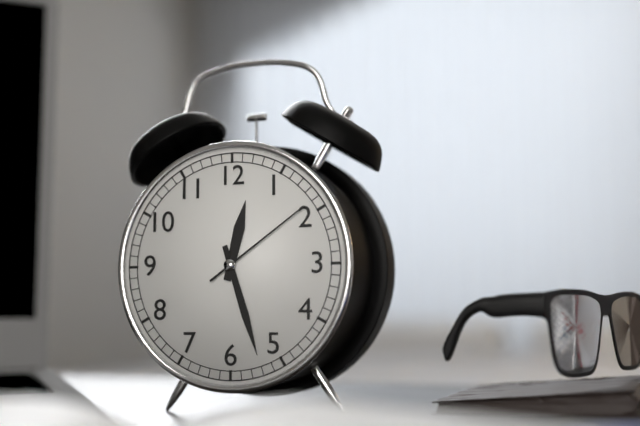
12:27:09
